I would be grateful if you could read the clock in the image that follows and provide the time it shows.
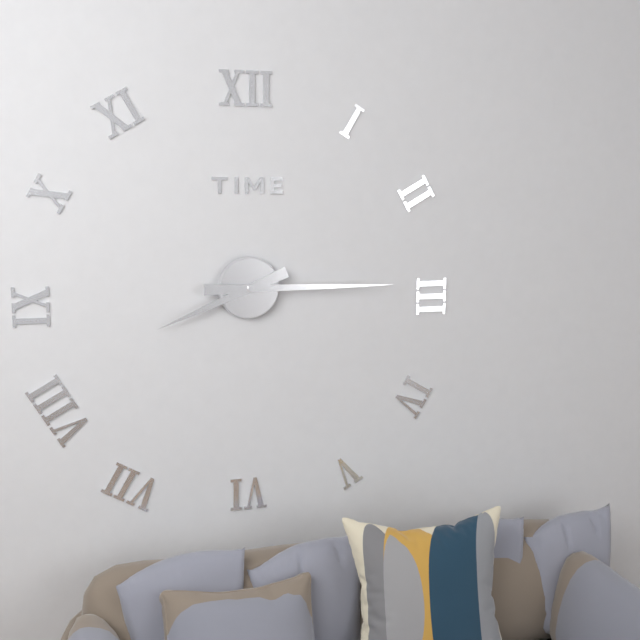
8:15
